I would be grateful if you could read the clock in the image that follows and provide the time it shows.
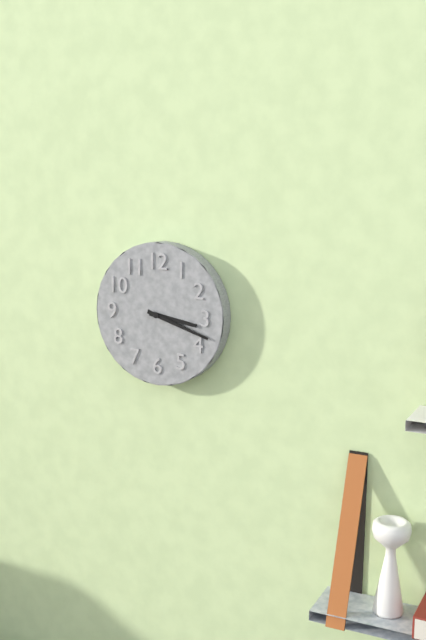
3:18
